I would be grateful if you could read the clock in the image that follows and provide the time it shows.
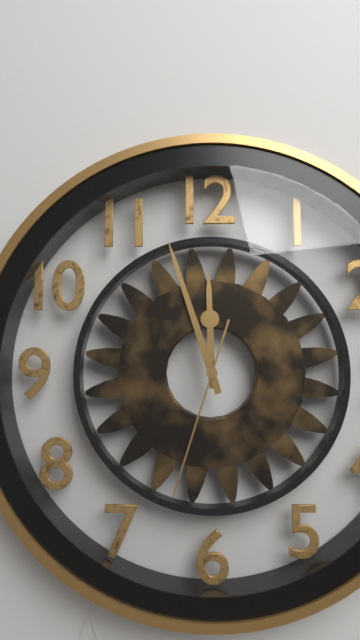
11:57:33
